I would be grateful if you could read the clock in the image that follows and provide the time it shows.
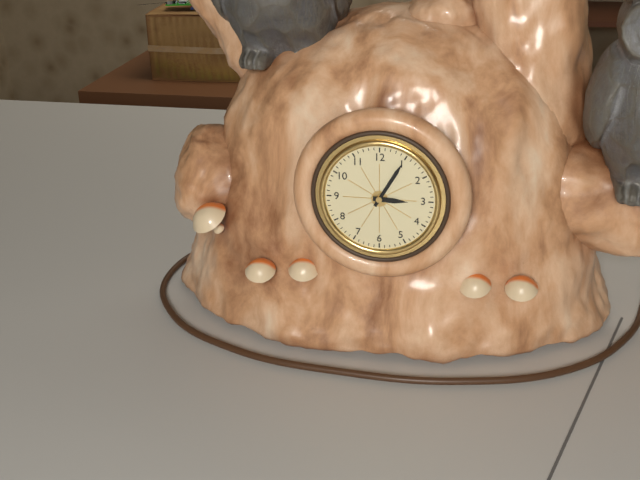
3:05
